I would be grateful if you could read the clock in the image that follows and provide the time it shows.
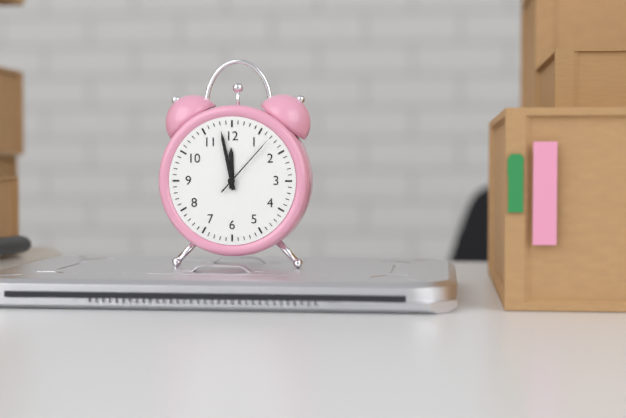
11:58:07
